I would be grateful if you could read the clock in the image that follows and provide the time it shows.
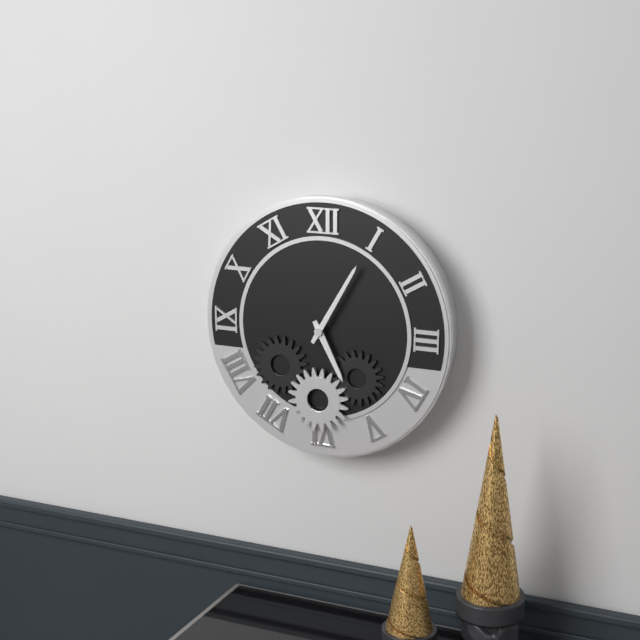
5:05
